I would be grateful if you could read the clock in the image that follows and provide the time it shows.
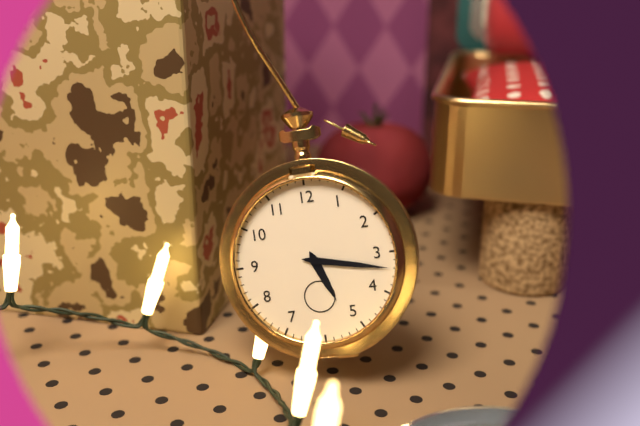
5:17
